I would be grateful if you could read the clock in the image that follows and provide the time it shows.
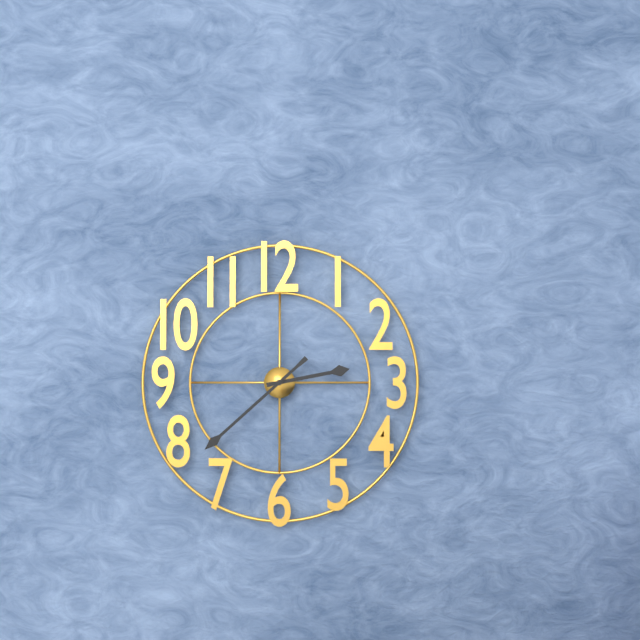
2:38
